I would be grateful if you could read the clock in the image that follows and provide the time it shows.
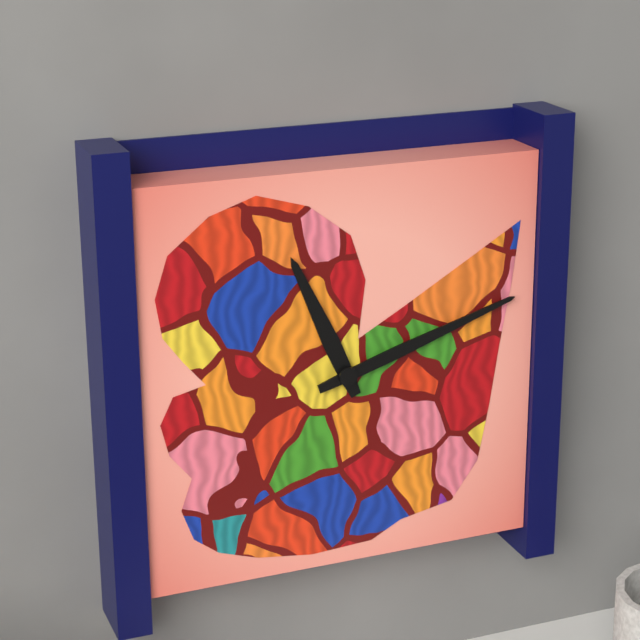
11:12
